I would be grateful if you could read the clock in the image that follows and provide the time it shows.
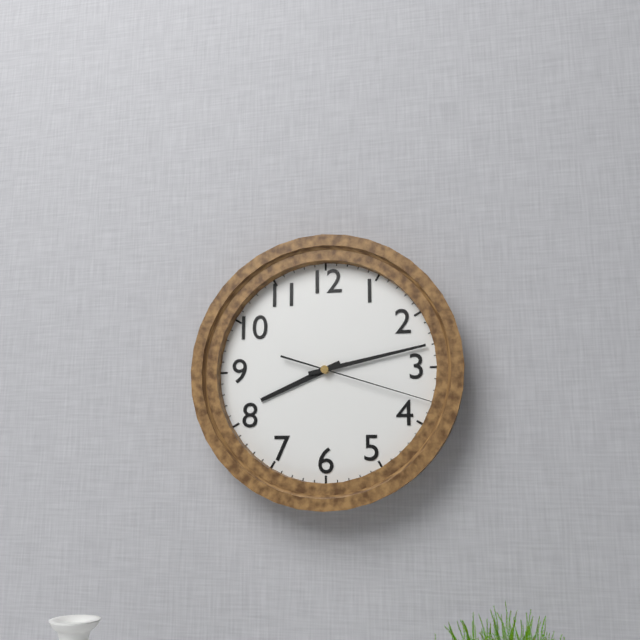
8:13:18
